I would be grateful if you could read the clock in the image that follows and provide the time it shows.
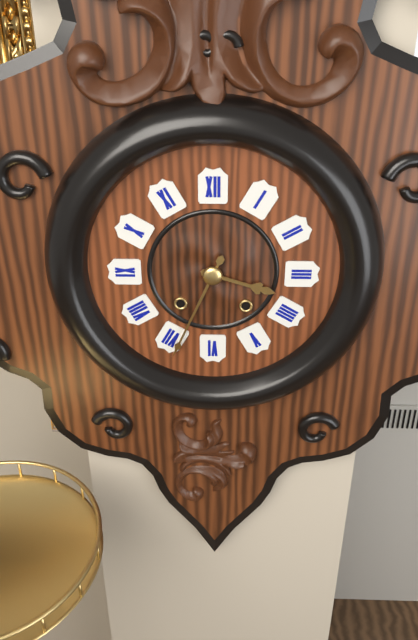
3:34
